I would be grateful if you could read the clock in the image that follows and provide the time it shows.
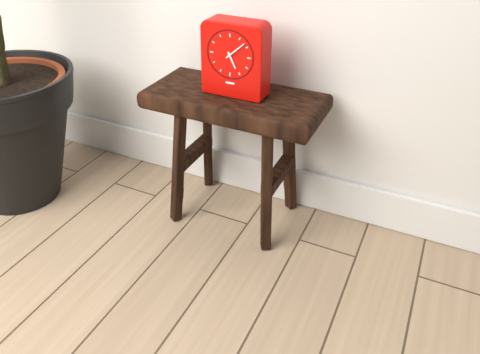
5:08
